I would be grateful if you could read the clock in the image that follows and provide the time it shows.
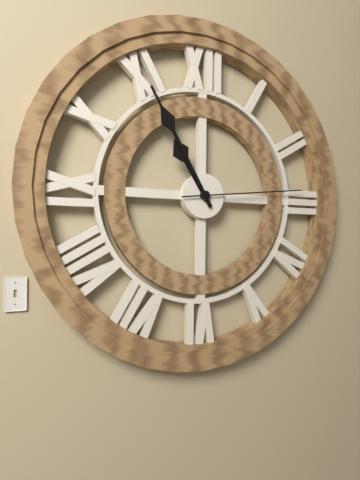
10:55:14
